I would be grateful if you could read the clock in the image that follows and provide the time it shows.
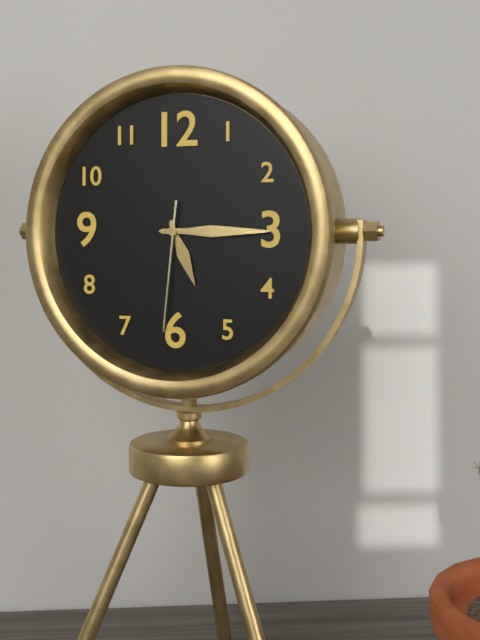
5:15:31
